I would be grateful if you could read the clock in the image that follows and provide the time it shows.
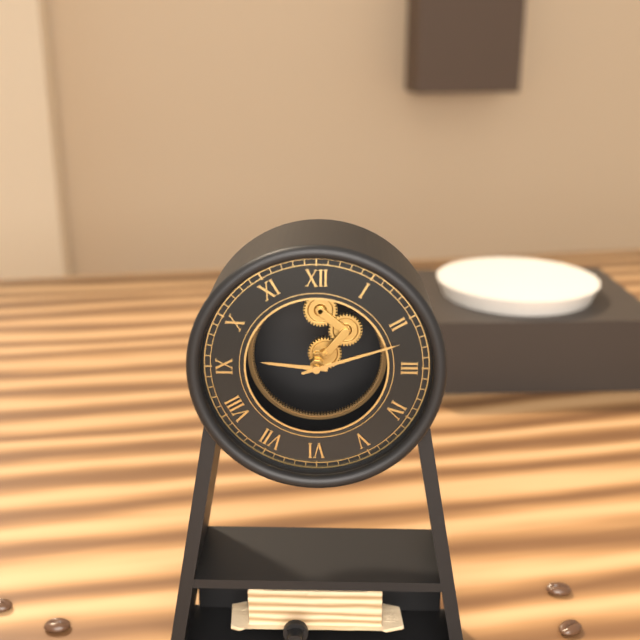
9:12
